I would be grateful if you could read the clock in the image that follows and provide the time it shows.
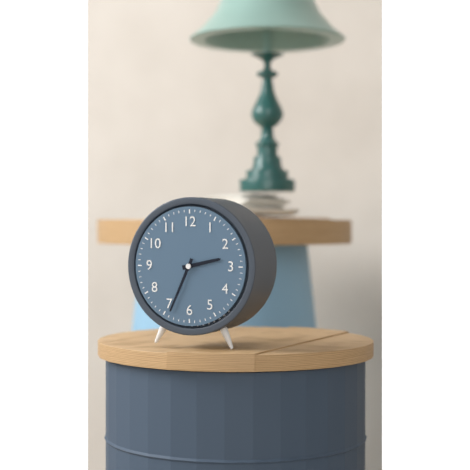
2:34
